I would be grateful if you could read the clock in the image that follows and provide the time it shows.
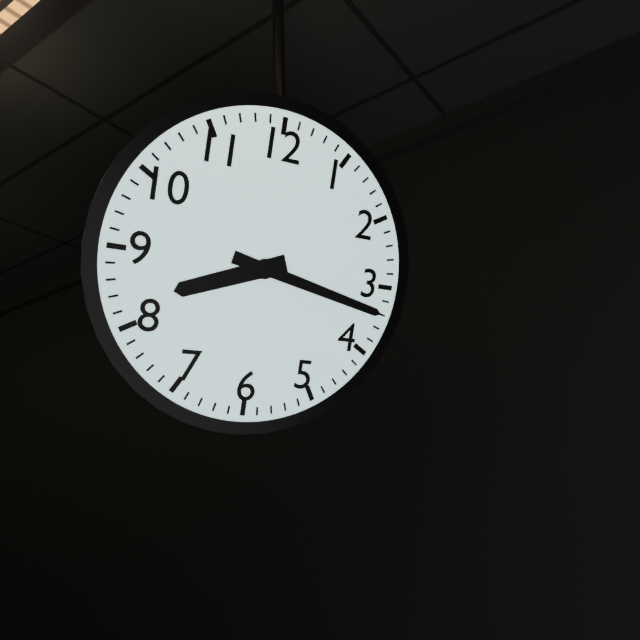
8:17
